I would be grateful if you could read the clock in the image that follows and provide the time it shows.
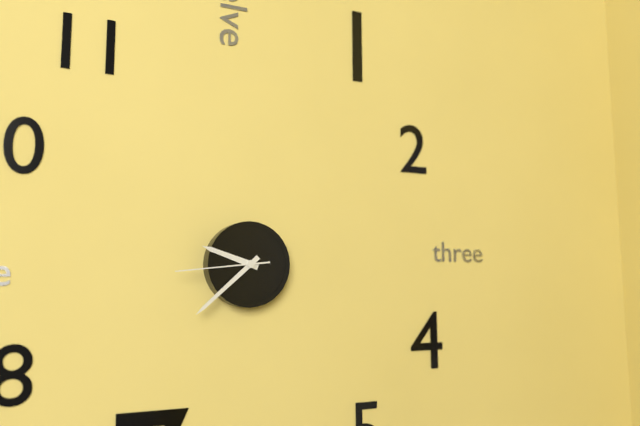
9:38:44
